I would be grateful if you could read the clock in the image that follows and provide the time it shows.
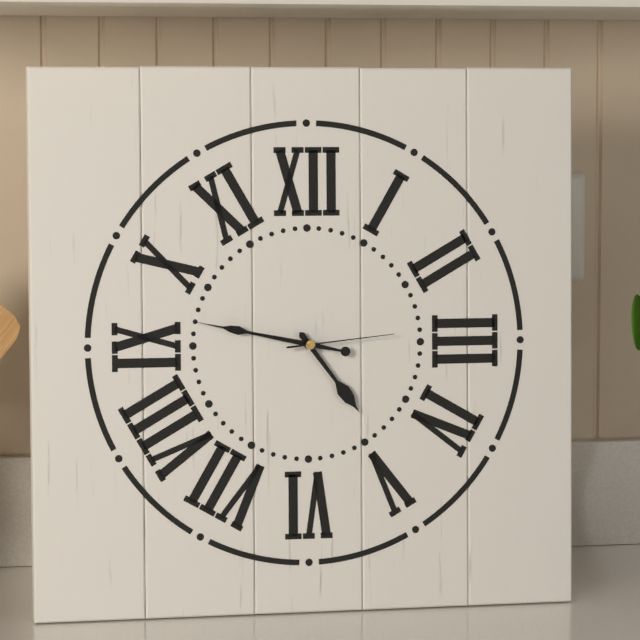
4:47:14
